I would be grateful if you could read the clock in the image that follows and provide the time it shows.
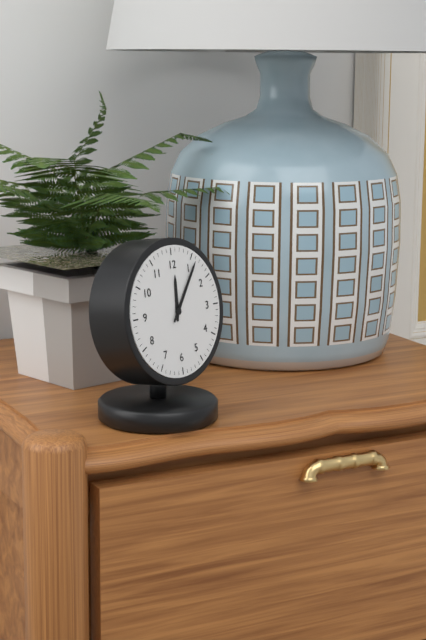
12:06
